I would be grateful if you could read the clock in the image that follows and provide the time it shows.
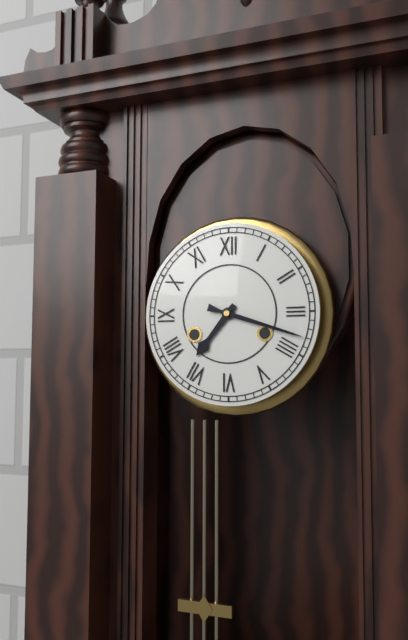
7:18
